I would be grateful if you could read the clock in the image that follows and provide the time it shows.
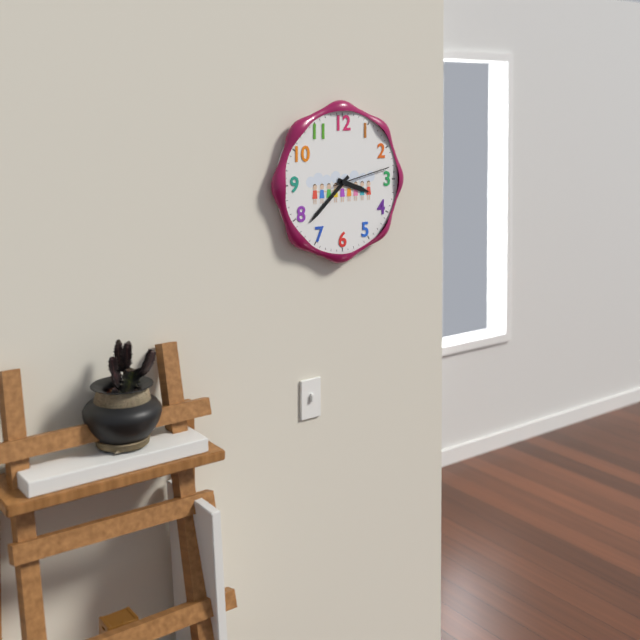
3:38:13
